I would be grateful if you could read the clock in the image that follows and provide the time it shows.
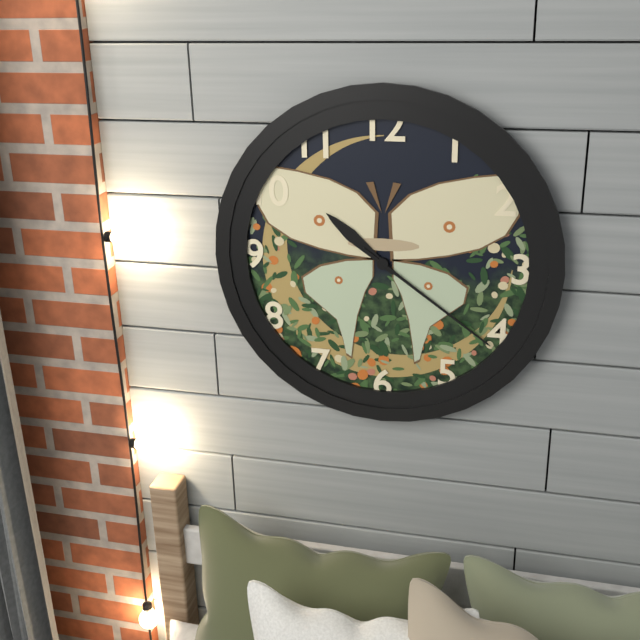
10:21
